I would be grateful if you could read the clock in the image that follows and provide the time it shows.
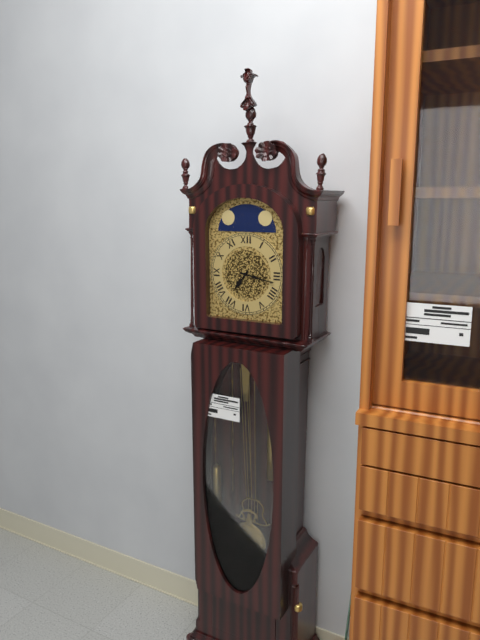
7:17
